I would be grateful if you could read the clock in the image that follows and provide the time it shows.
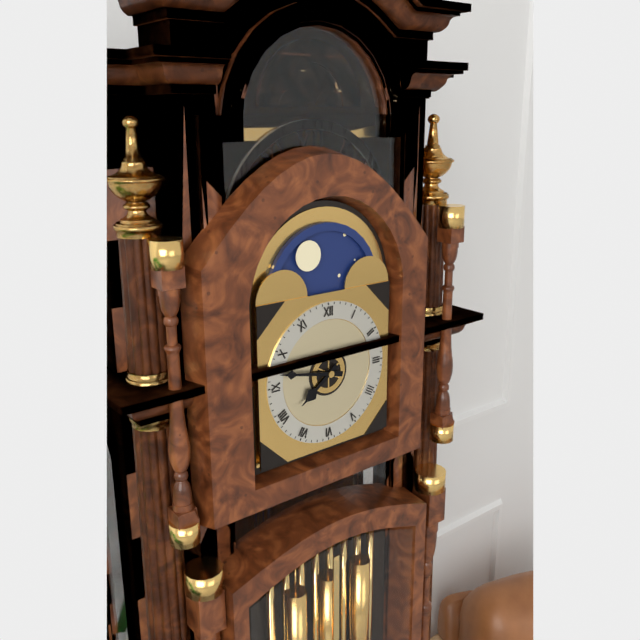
7:47
